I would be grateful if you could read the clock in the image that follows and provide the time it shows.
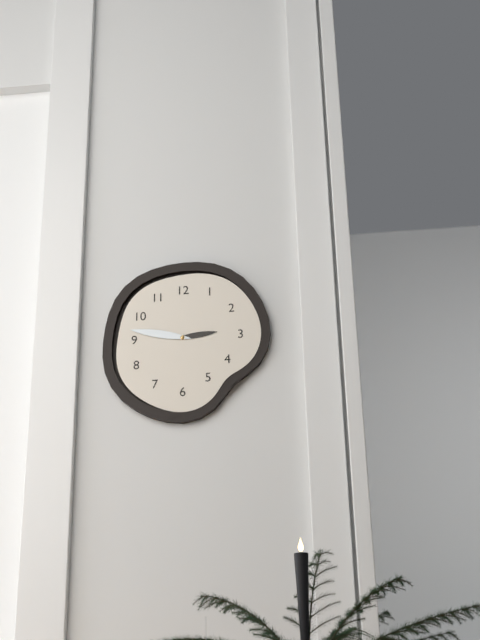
2:47
